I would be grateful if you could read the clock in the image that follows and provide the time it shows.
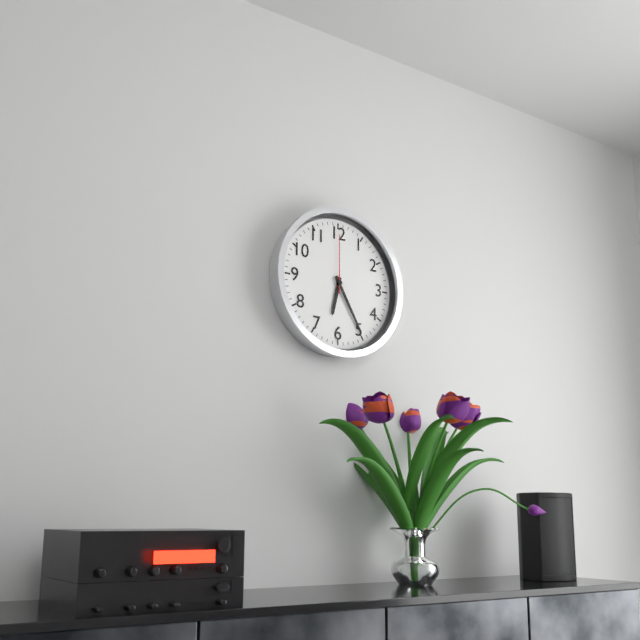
6:25:00
